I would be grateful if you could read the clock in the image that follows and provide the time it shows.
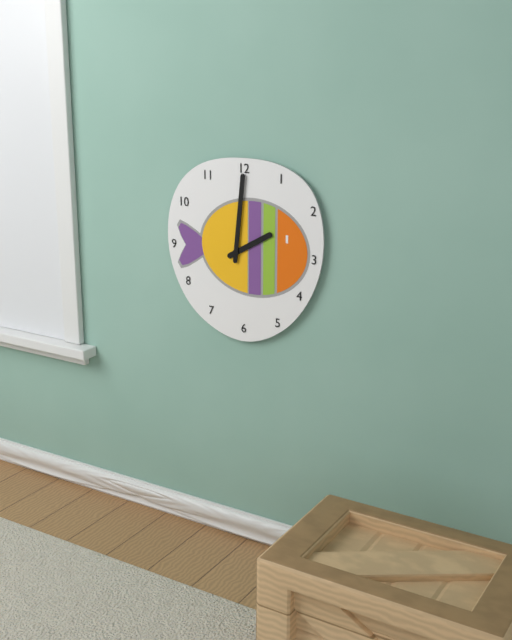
2:01
